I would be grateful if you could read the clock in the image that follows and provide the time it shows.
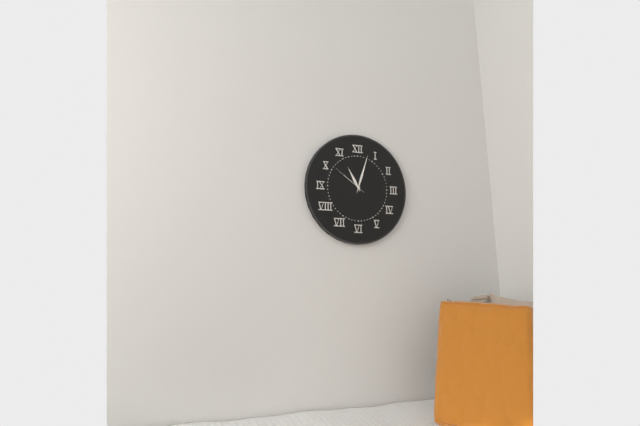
11:03
